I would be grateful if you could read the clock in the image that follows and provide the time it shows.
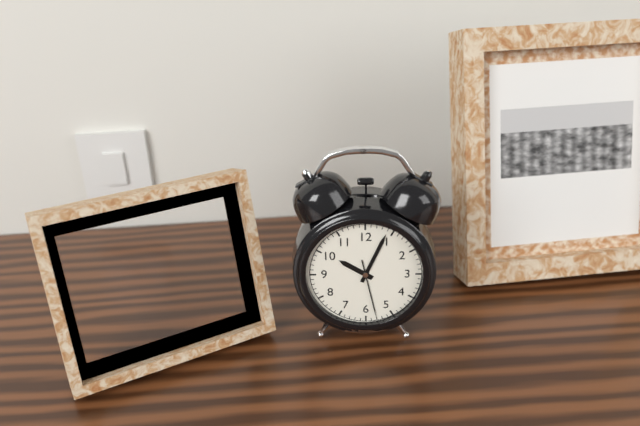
10:04:28
